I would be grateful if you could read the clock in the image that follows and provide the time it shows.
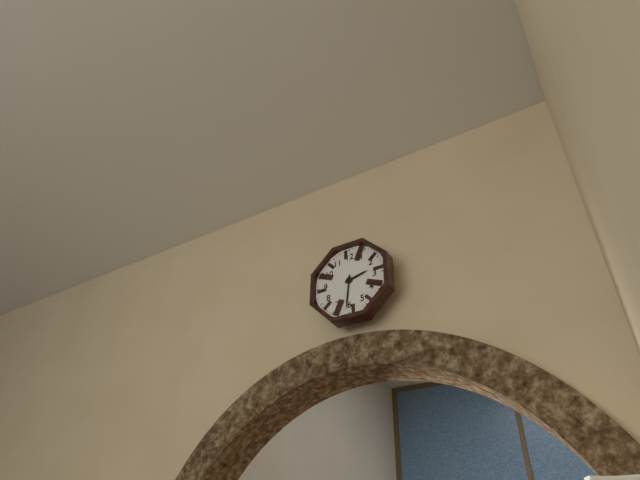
2:31
